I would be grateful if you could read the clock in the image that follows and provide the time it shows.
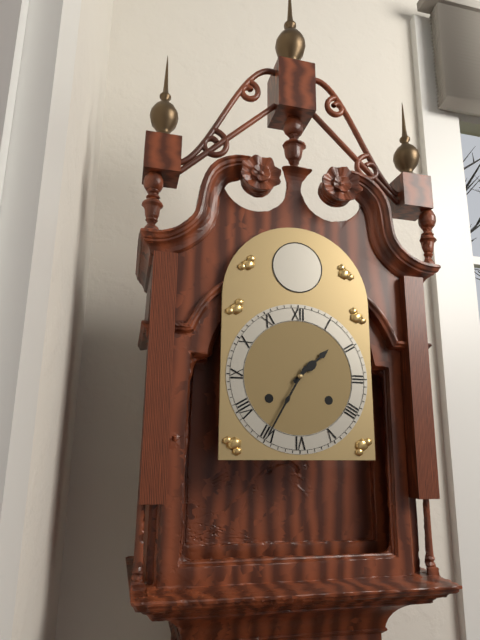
1:35
